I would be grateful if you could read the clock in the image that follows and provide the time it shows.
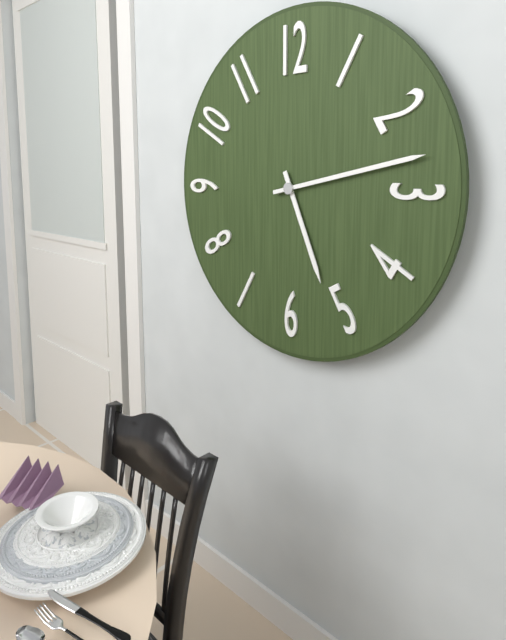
5:13
